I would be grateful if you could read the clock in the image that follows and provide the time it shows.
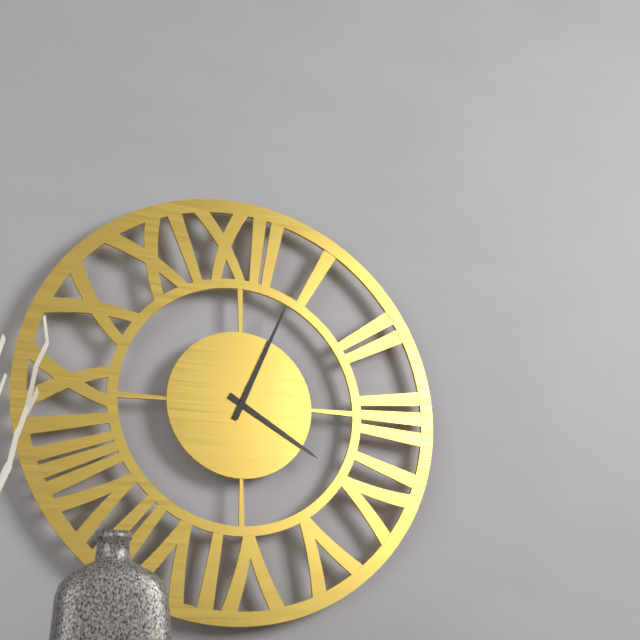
4:04
